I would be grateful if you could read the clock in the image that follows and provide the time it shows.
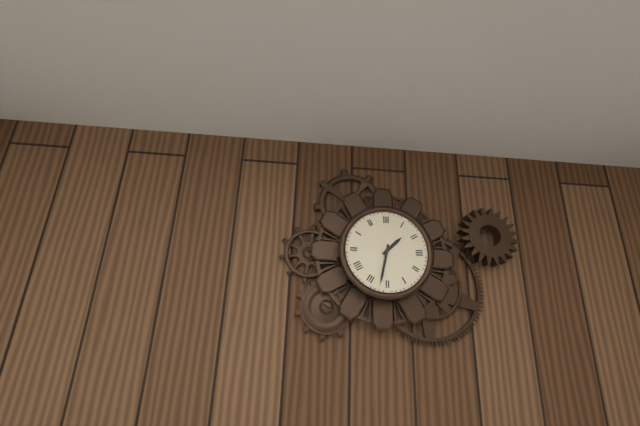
1:32
